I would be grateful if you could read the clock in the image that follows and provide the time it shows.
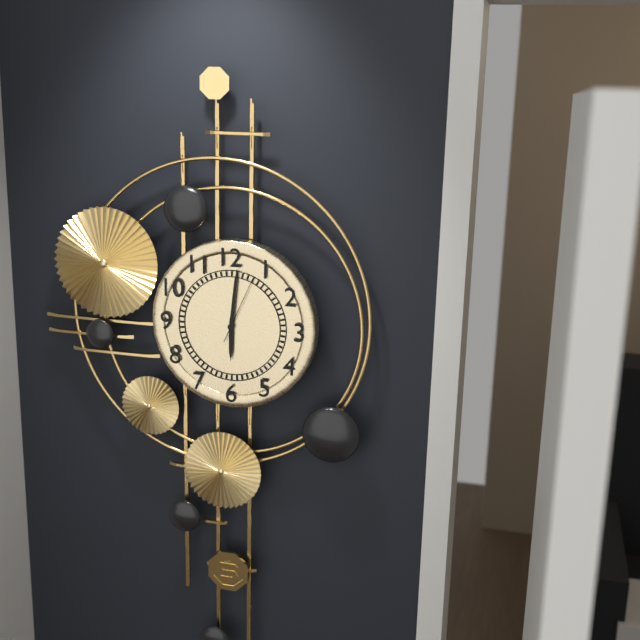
6:01:04
